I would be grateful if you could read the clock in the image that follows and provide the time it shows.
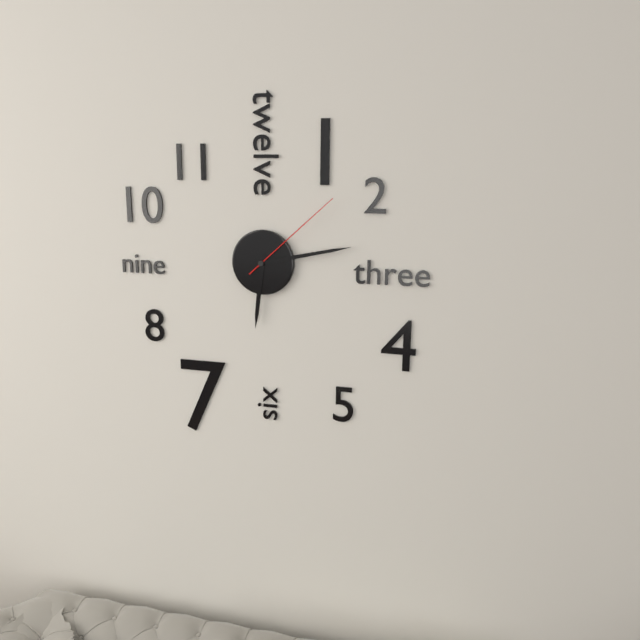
6:13:08
